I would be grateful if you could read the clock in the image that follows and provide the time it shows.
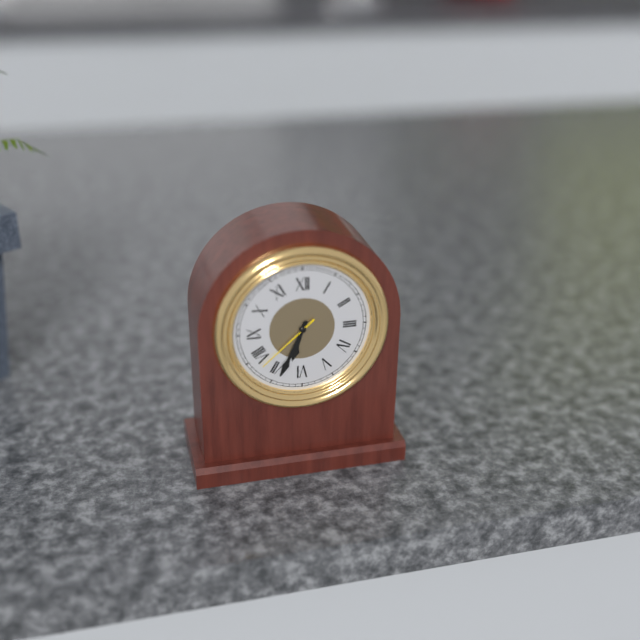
6:34:38
